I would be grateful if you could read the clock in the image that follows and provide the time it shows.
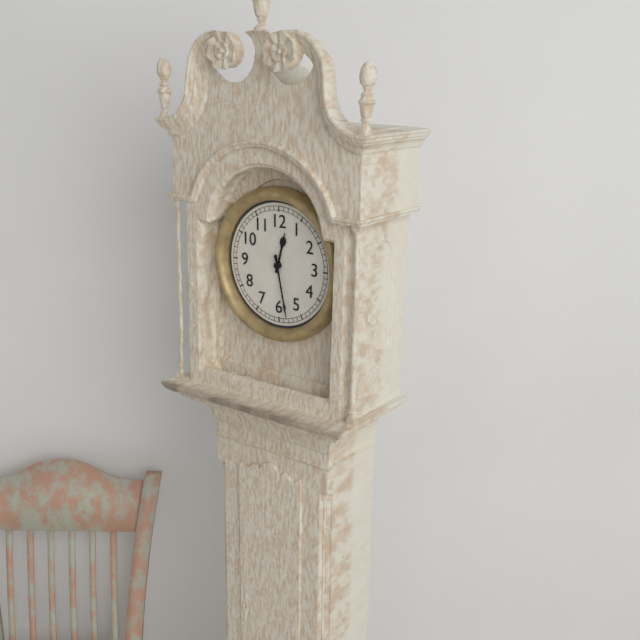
12:28
